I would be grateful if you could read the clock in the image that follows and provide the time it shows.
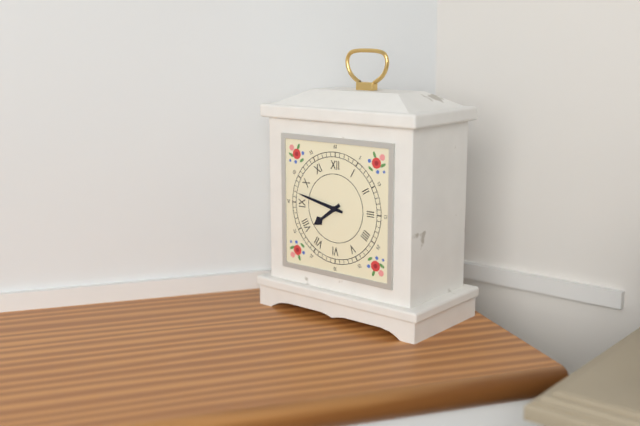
7:47
